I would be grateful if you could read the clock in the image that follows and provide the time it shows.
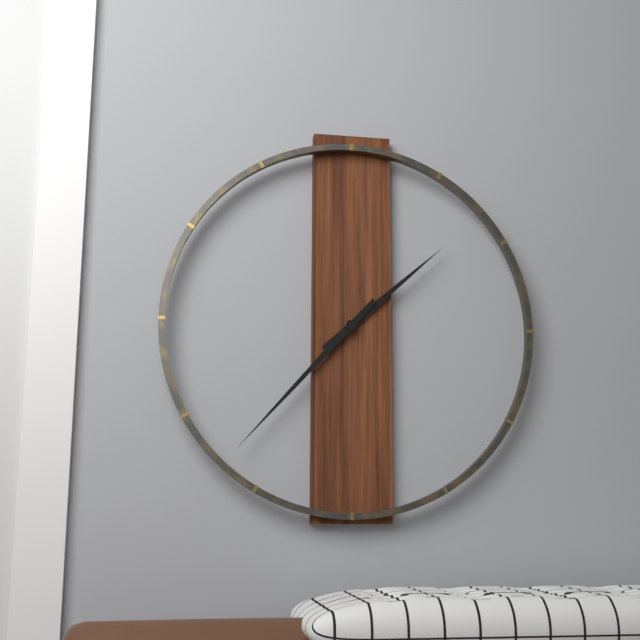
1:37
